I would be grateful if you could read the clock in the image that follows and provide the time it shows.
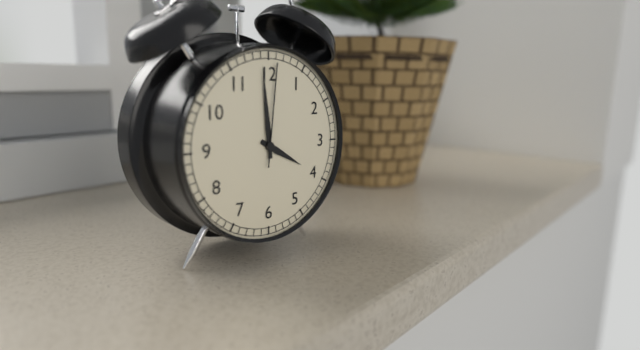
3:59:01
